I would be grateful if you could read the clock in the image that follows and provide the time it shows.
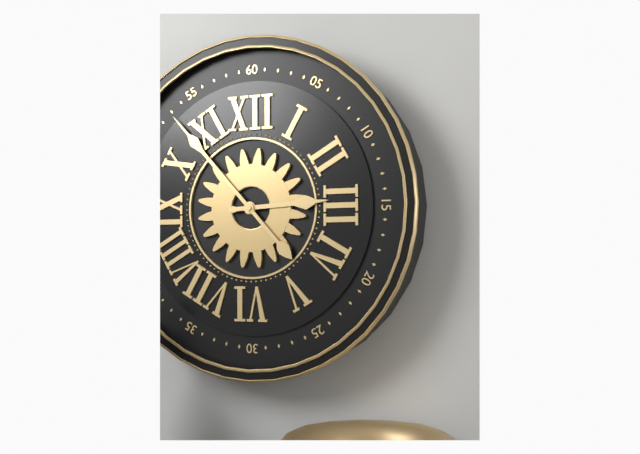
2:53
